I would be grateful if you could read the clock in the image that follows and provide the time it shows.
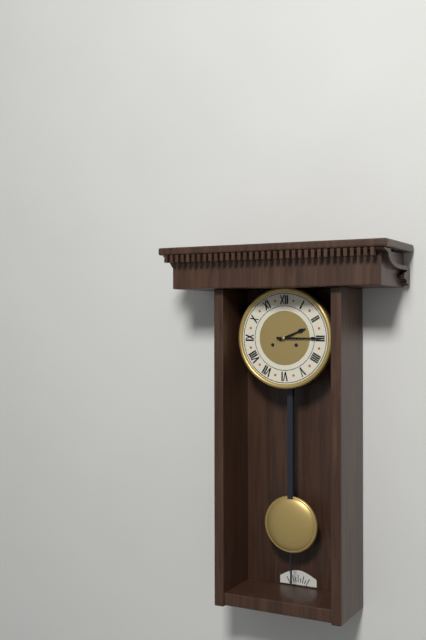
2:15
